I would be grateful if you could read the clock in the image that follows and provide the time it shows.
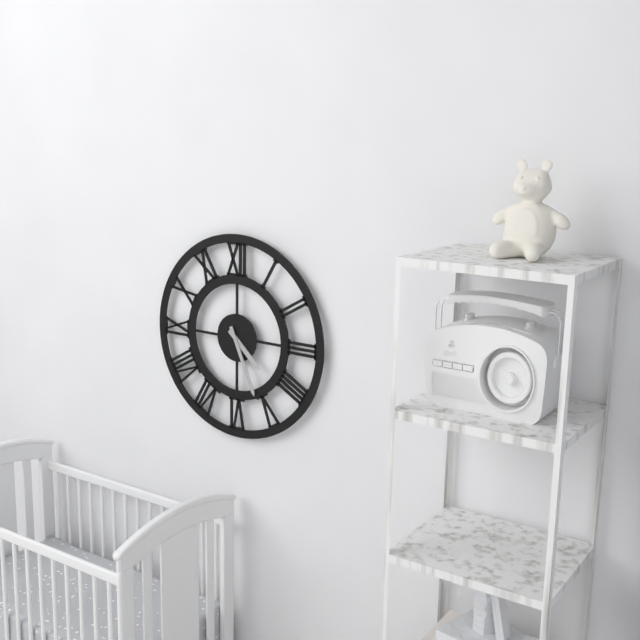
4:26
